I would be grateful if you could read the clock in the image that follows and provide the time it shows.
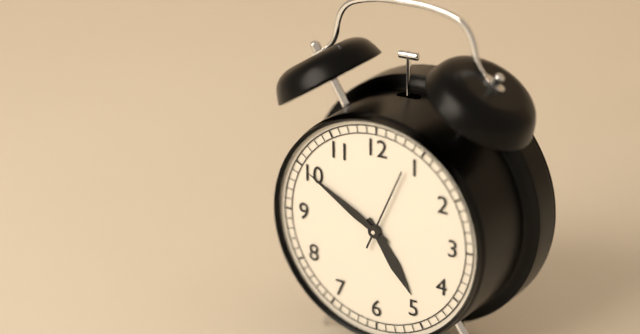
4:50:04
